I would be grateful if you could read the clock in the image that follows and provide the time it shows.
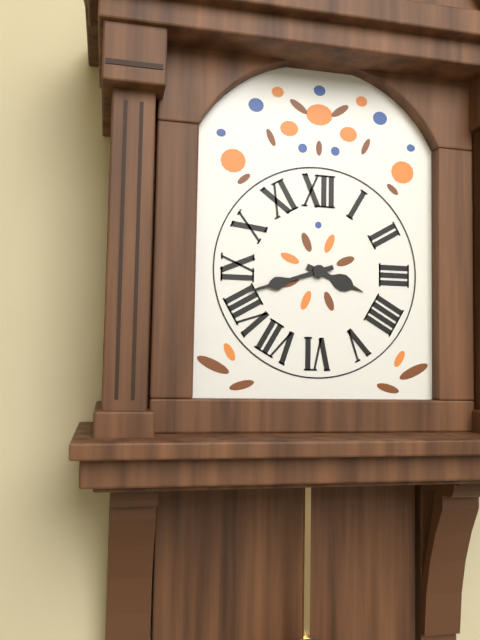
3:42
